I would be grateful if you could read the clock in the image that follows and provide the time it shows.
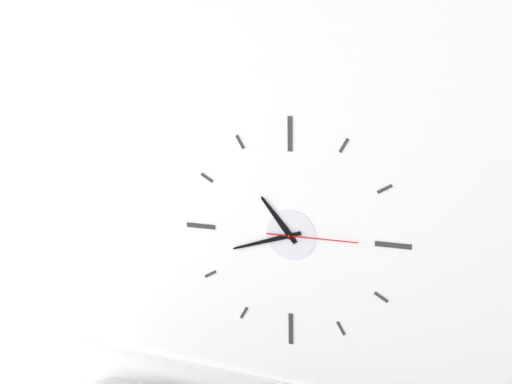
10:42:15
